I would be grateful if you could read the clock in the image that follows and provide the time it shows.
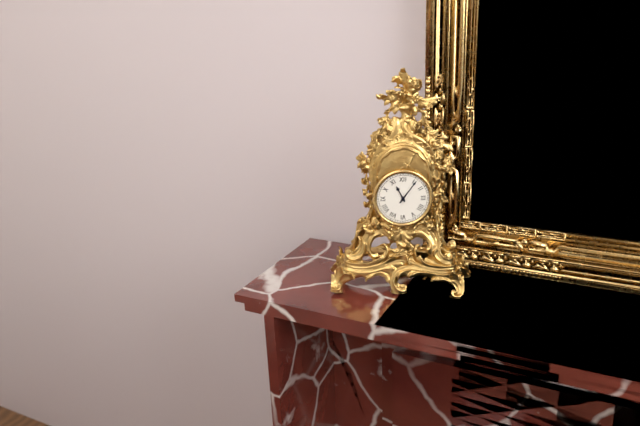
11:06
